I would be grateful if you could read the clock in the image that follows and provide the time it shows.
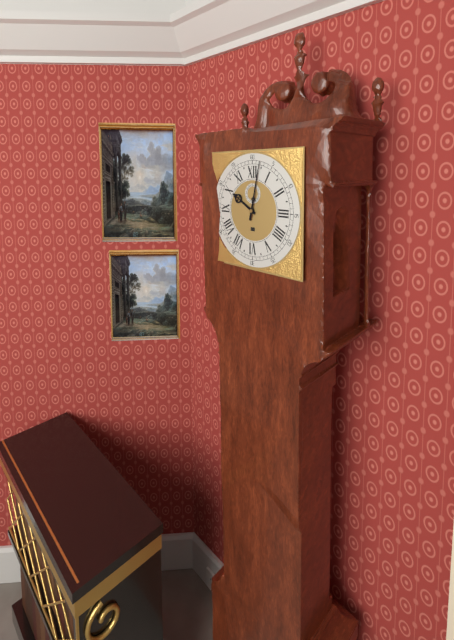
10:02
